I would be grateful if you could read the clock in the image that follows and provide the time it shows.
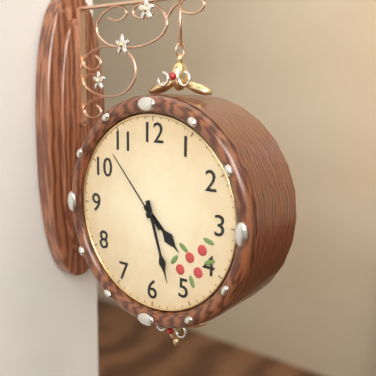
4:27:53
